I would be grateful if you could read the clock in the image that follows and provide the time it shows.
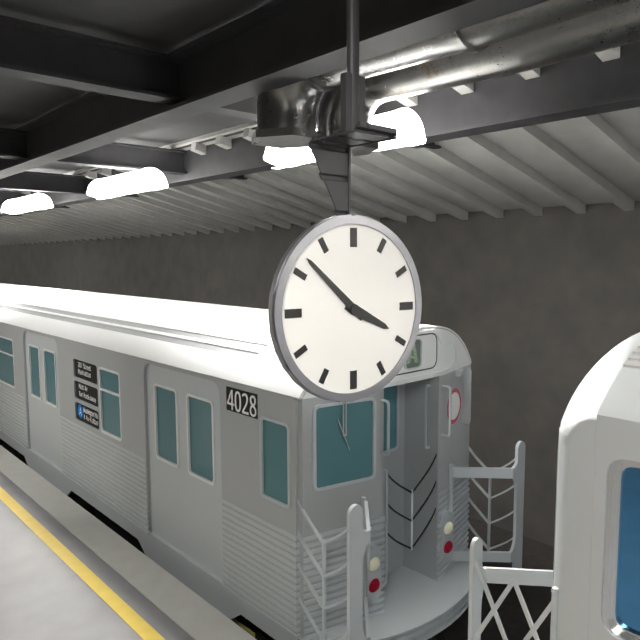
3:52
